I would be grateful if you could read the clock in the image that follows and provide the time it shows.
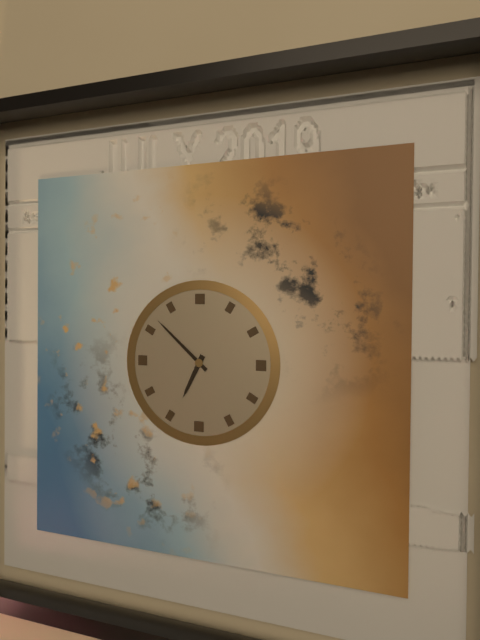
6:52
